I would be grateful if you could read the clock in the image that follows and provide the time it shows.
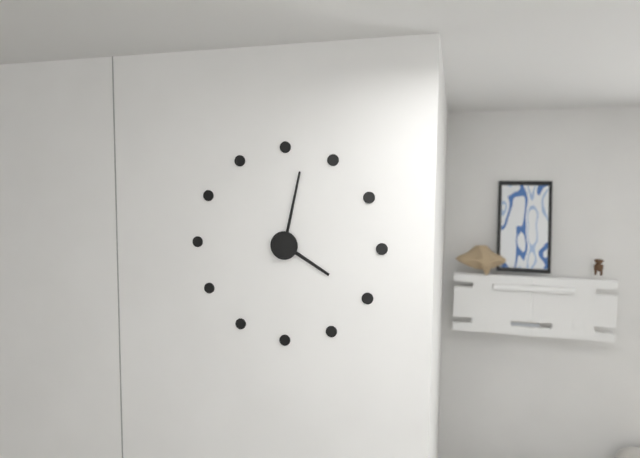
4:02
